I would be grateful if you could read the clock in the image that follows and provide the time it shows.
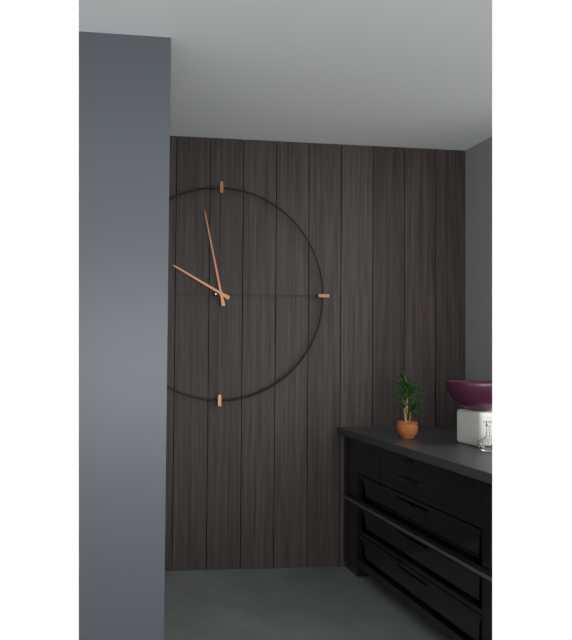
9:58
